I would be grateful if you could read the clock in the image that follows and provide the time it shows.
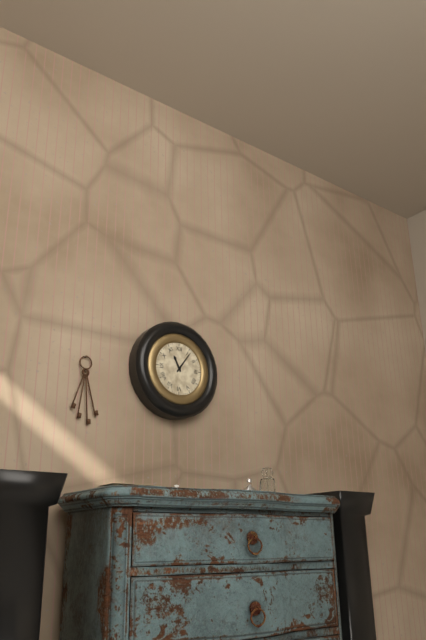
11:06
